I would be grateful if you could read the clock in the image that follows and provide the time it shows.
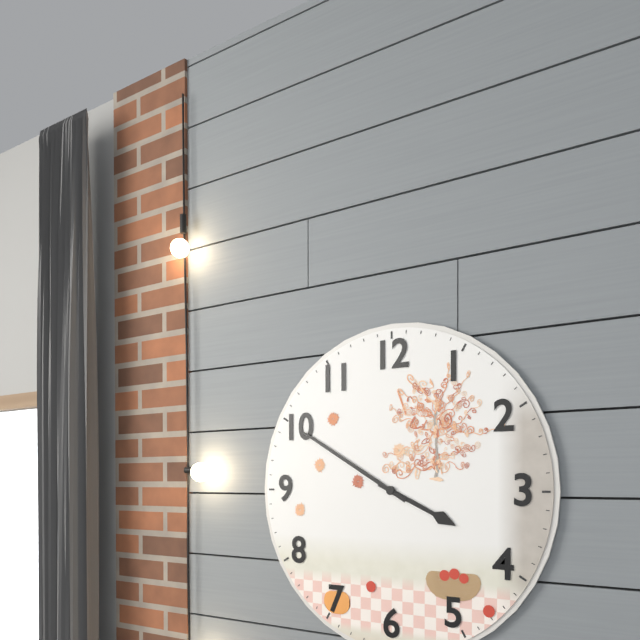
3:50
